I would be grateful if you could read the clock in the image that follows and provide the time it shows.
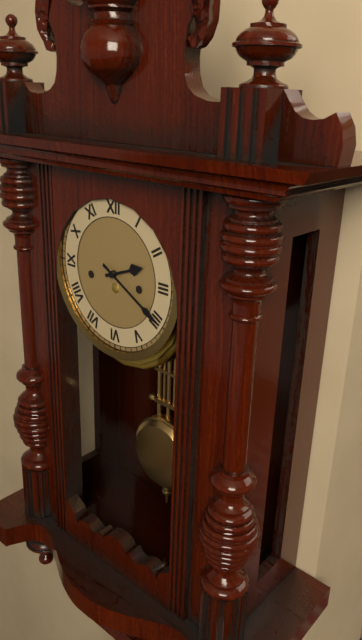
2:20
